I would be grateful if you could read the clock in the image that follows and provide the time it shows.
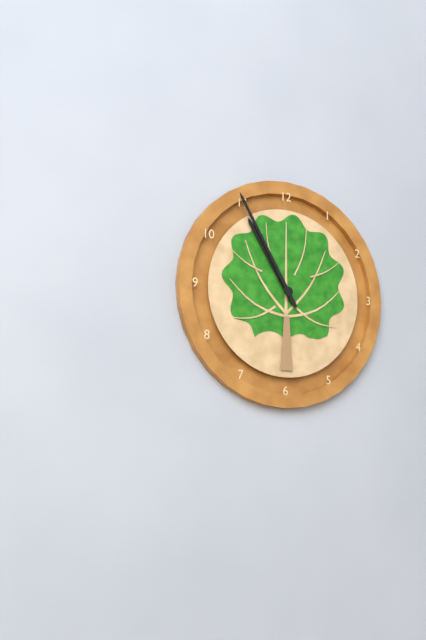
10:55
